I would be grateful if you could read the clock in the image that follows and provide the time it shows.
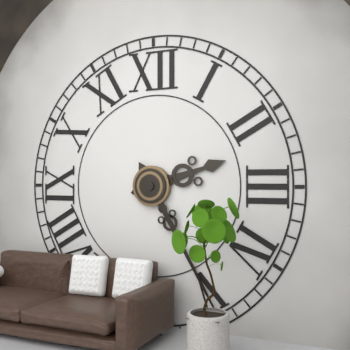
2:25
